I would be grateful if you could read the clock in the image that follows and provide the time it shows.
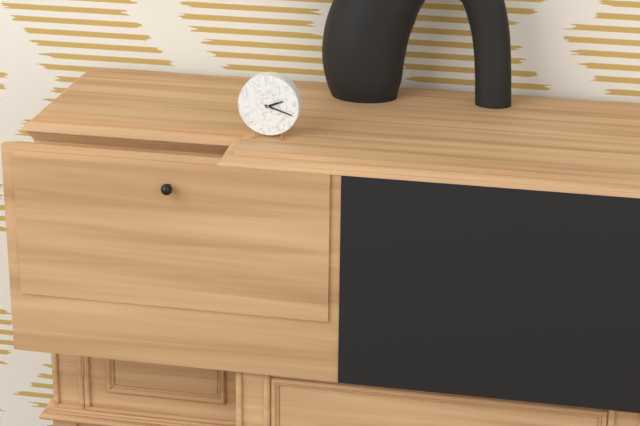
2:18
